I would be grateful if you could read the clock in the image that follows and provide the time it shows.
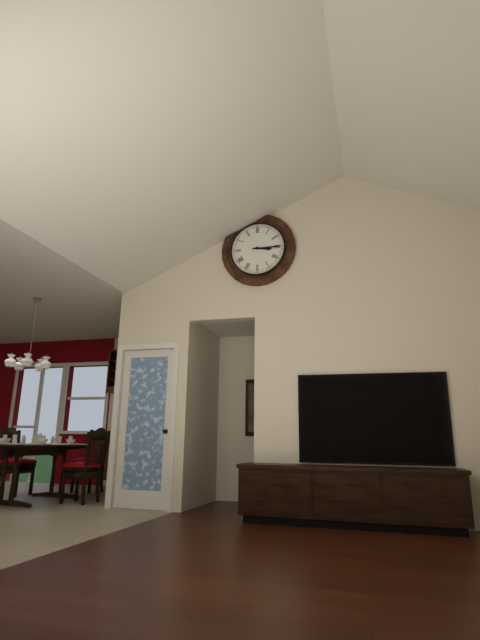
3:15
